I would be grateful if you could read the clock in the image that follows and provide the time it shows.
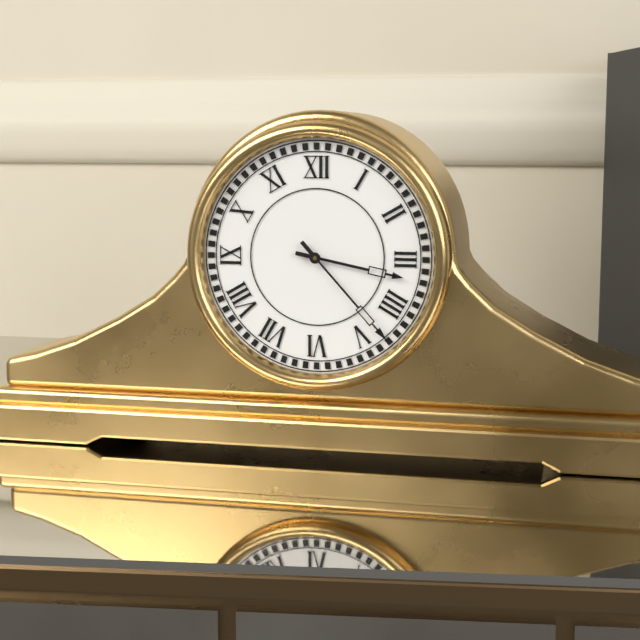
3:23
